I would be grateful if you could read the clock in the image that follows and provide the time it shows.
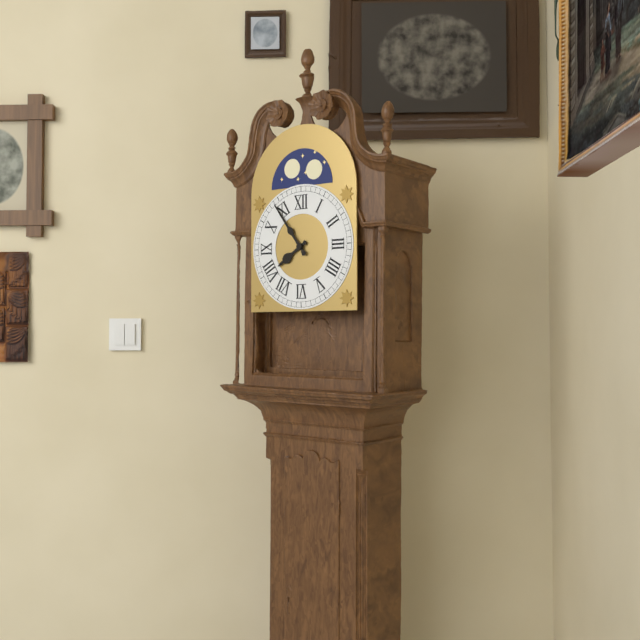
7:54
